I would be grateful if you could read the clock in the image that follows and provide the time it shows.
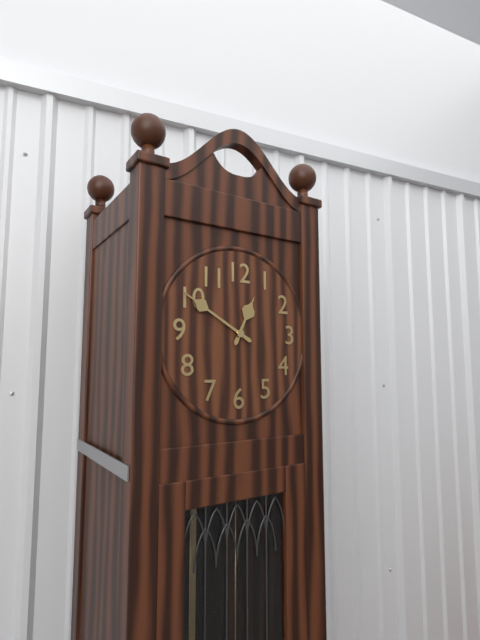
12:50
